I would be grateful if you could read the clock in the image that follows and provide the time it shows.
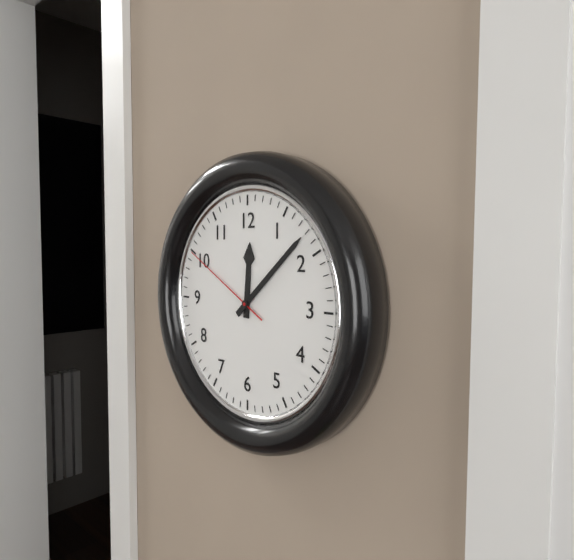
12:08:50
